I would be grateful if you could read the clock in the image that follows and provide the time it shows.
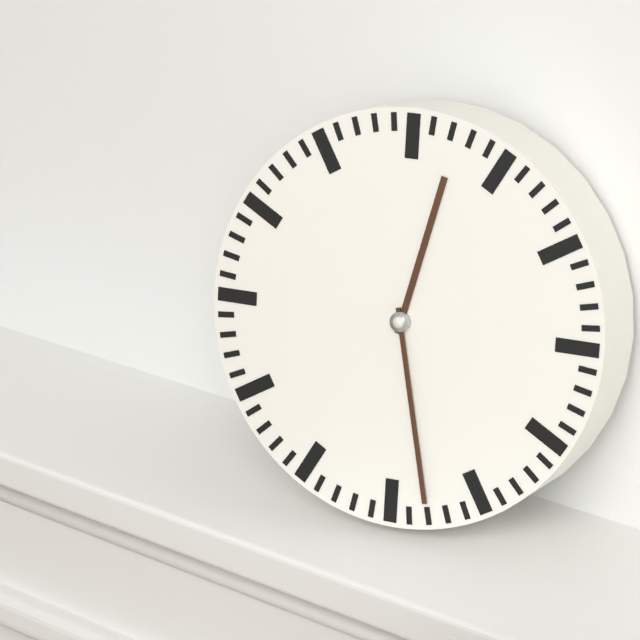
12:28
